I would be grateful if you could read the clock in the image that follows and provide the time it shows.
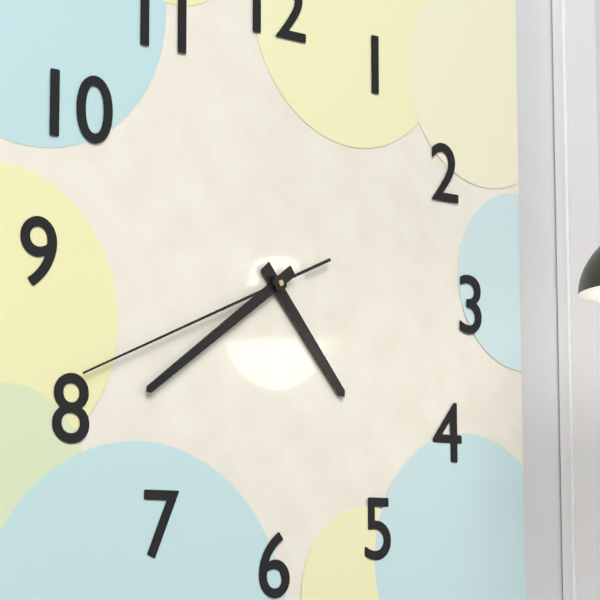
4:39:41
